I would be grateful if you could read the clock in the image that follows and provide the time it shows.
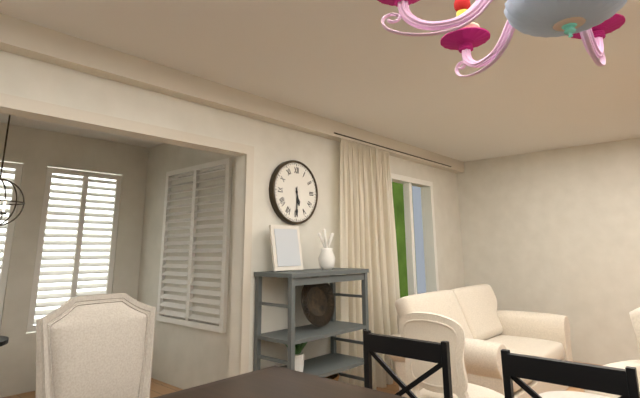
5:30
